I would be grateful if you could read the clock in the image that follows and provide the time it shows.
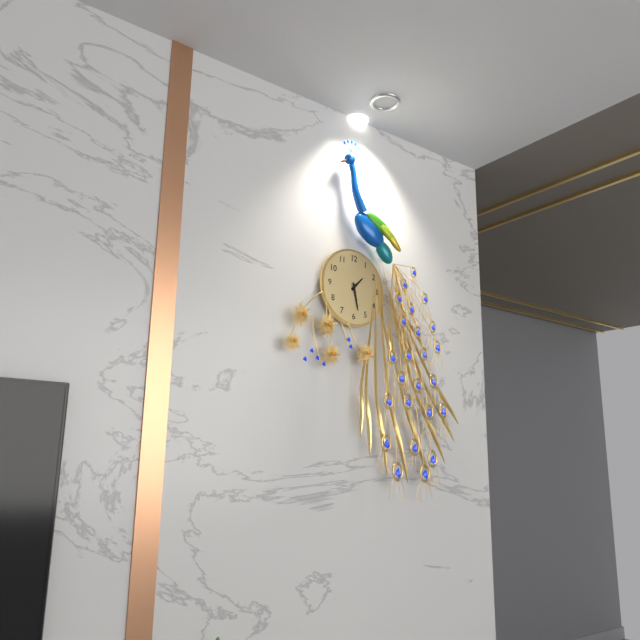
1:28
